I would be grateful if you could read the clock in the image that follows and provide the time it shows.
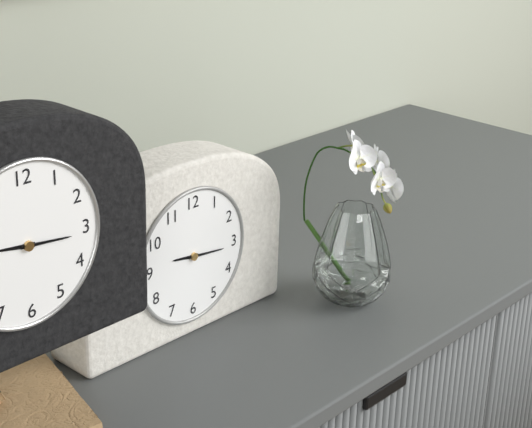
9:16
